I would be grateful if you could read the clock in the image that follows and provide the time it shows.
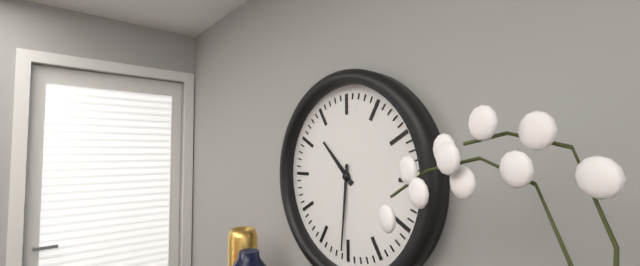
10:31
